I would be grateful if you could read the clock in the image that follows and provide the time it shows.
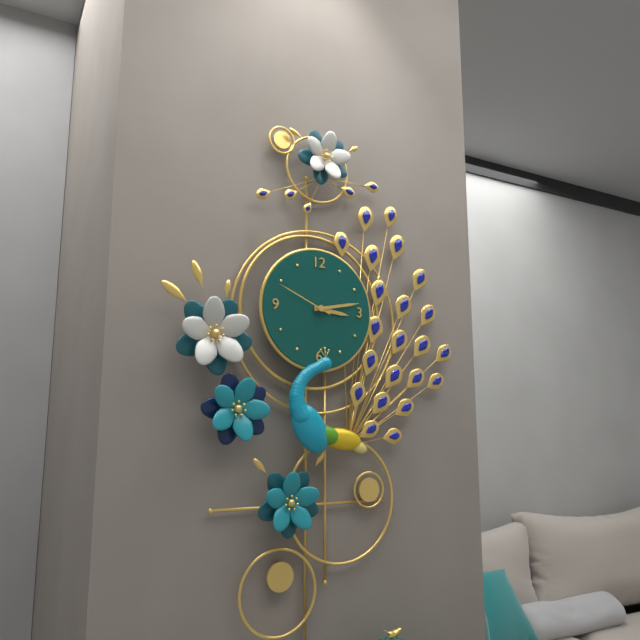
3:13:49
